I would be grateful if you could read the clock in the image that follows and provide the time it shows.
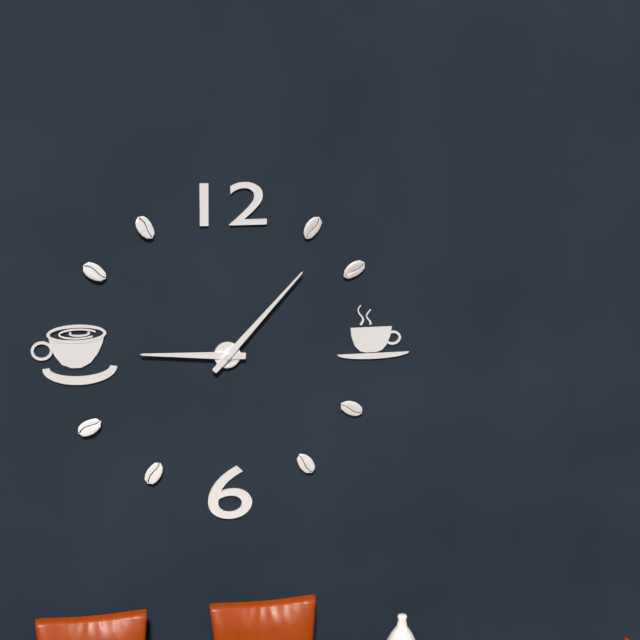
9:07
